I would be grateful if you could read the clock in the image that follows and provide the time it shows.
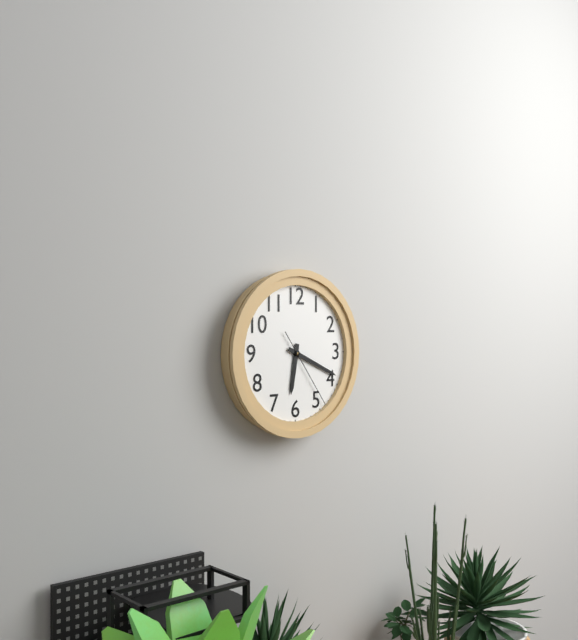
6:19:24
